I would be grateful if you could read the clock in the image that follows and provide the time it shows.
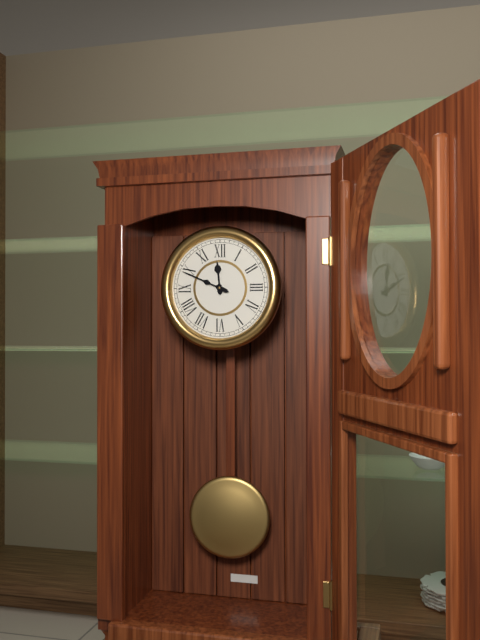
11:49
